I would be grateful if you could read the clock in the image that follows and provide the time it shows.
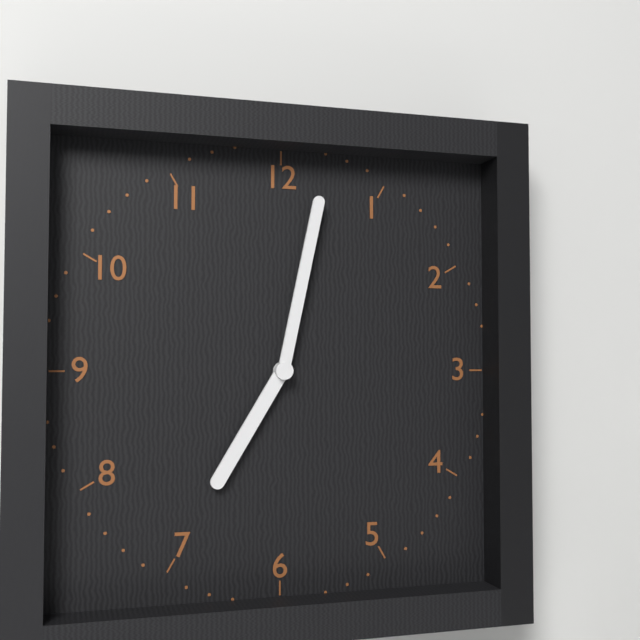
7:02
